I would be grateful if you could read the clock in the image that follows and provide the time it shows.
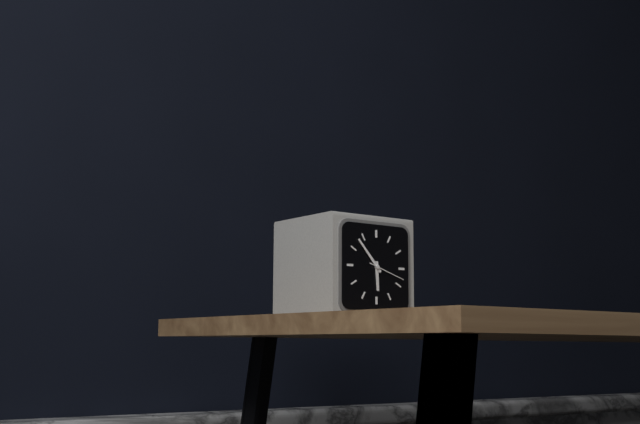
5:53
